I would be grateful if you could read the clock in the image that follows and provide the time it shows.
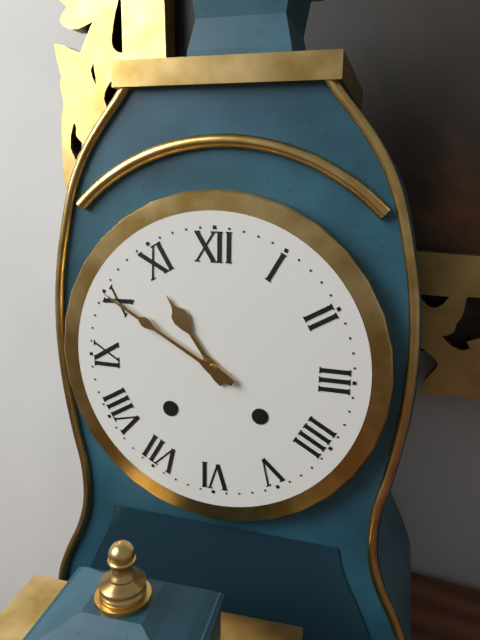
10:50
